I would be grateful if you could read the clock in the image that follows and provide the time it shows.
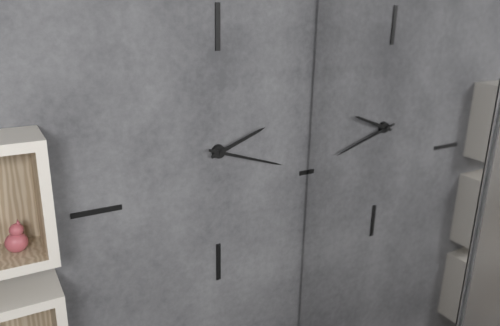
2:18
